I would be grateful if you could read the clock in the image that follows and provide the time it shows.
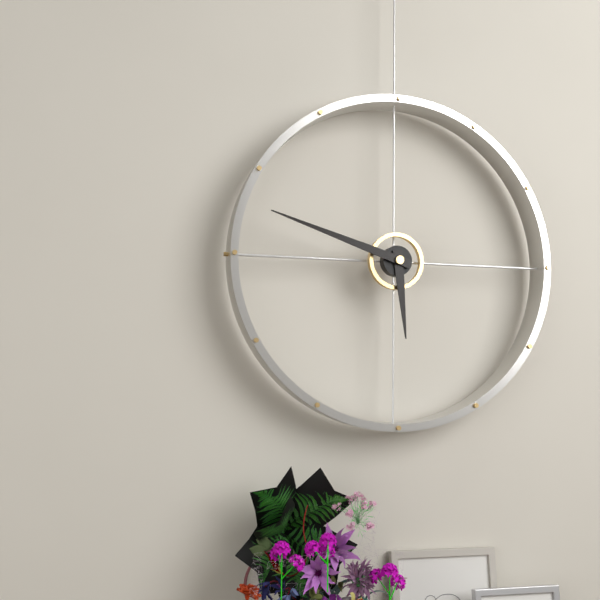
5:48
